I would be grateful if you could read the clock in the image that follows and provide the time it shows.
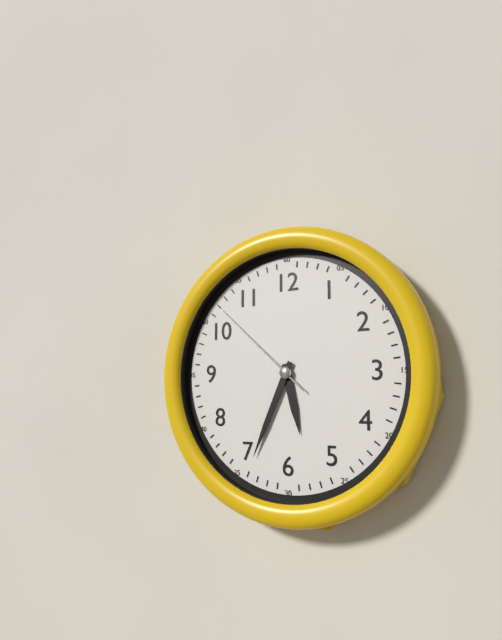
5:34:52
